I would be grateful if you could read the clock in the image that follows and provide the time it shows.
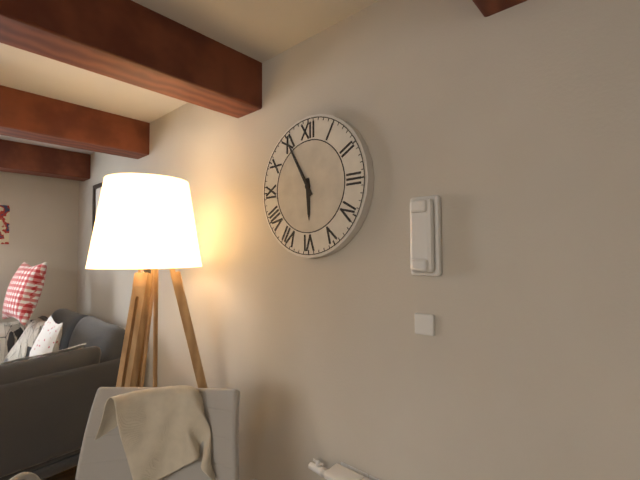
5:55
